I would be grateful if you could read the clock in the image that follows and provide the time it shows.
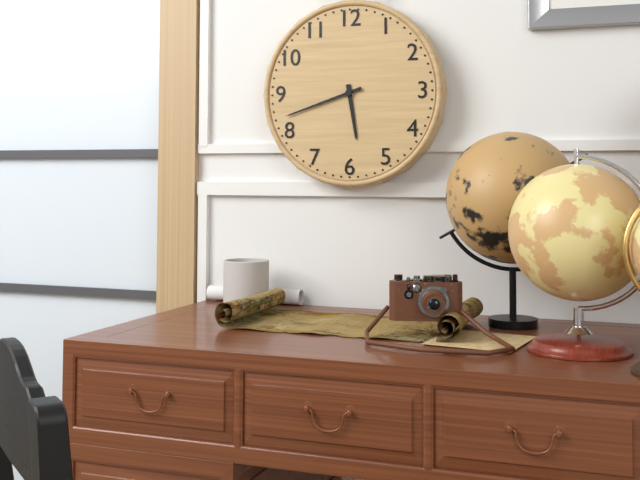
5:42
